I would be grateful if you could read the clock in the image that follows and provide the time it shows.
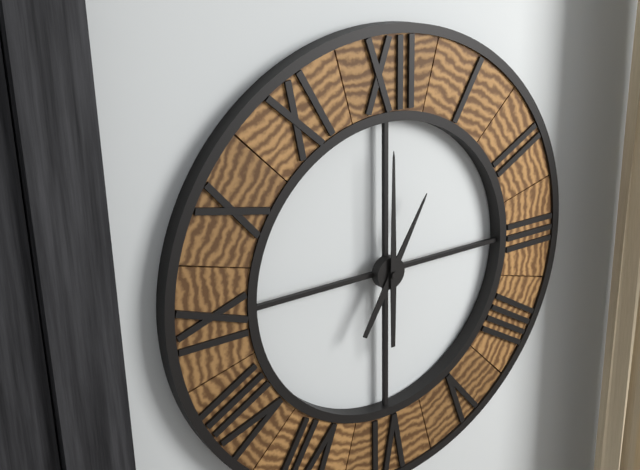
1:00
